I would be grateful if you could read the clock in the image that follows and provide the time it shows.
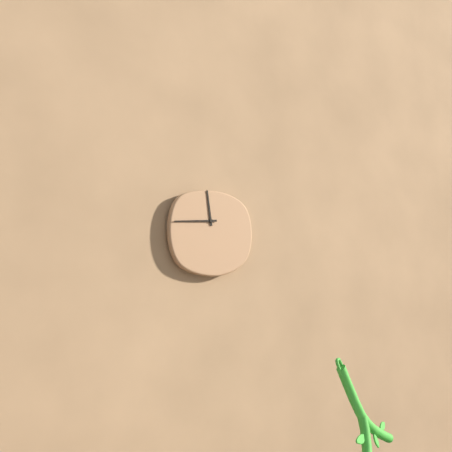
11:44
